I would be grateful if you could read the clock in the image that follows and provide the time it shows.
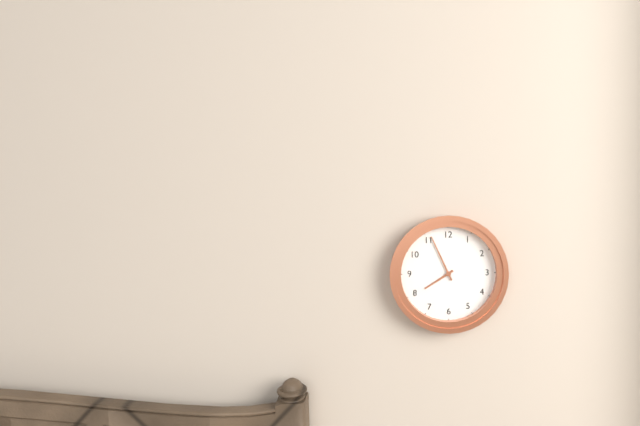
7:56
